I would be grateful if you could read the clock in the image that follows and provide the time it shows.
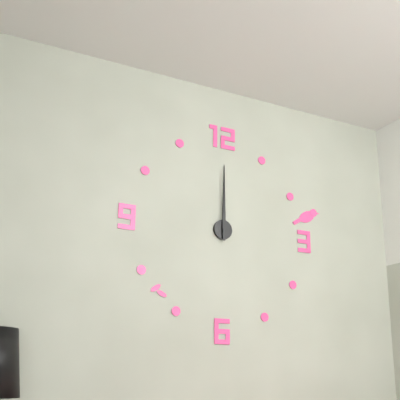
12:00
